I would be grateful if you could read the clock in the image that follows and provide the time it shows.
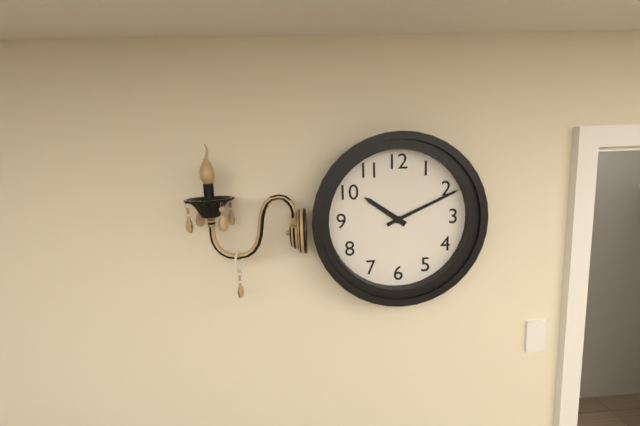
10:11
